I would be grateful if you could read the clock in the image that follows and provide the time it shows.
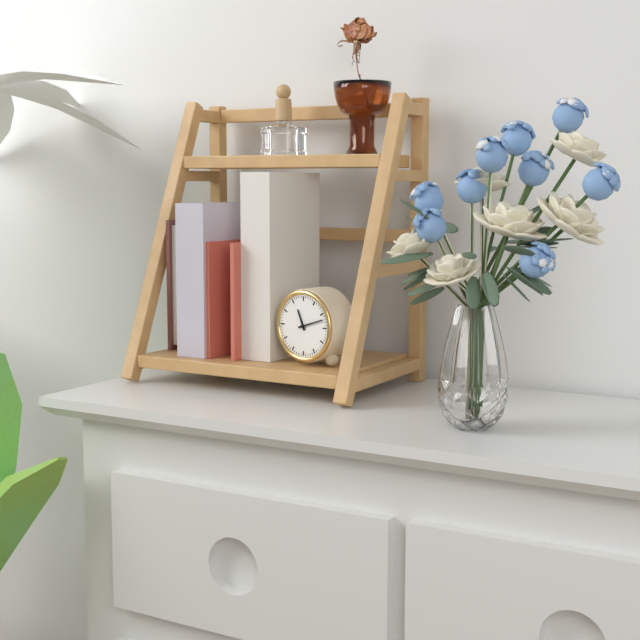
11:12
